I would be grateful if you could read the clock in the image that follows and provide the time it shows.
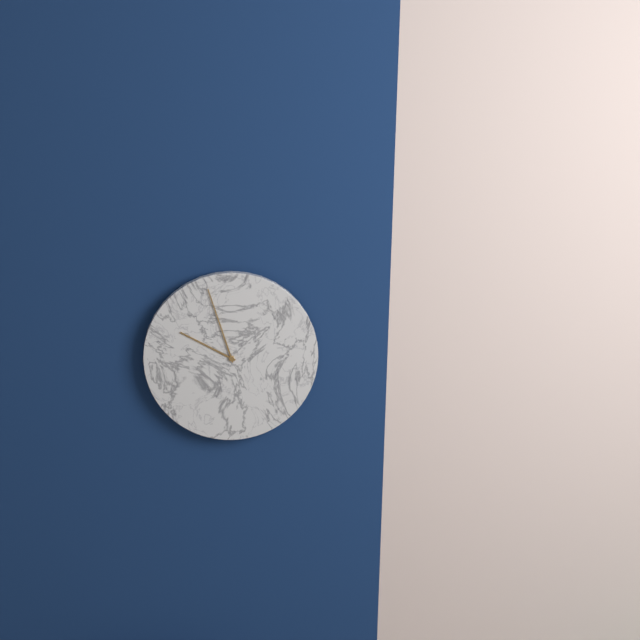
9:57
